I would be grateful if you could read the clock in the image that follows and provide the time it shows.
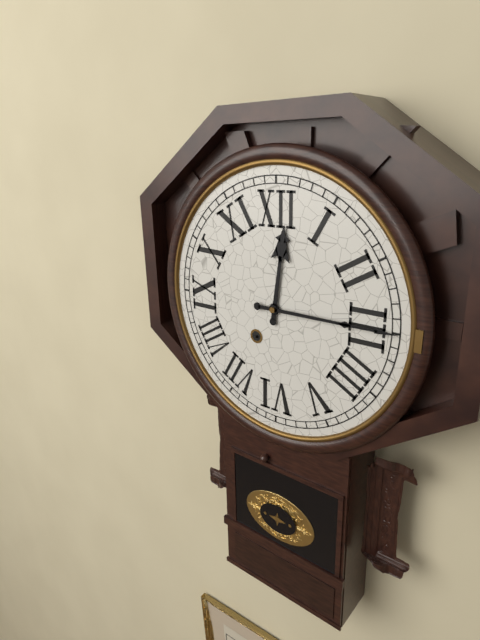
12:15
